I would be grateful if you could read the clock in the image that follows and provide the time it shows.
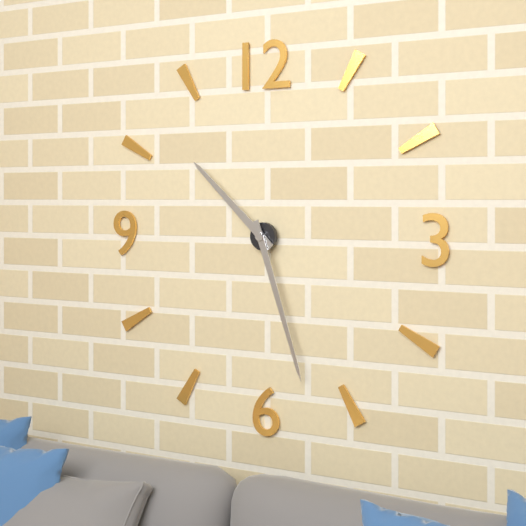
10:27
